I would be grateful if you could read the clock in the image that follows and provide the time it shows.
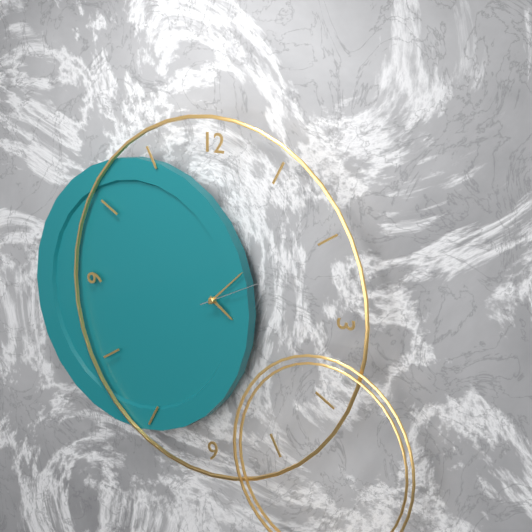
4:08:11
